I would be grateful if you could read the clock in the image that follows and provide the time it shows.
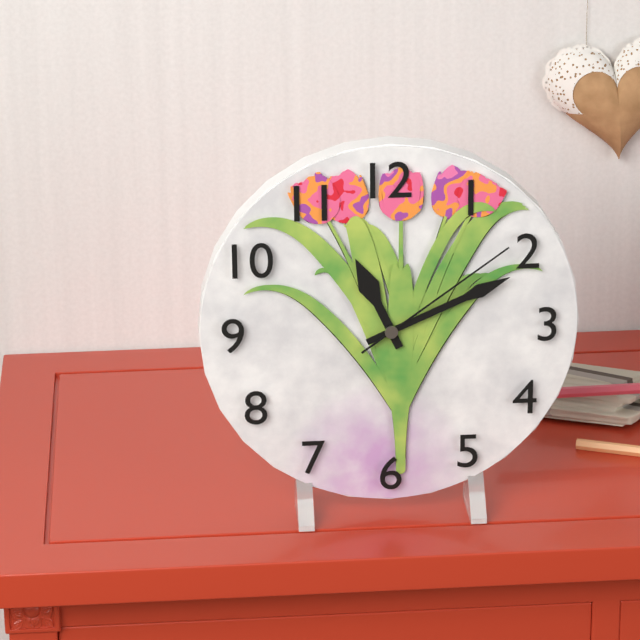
11:11:09
